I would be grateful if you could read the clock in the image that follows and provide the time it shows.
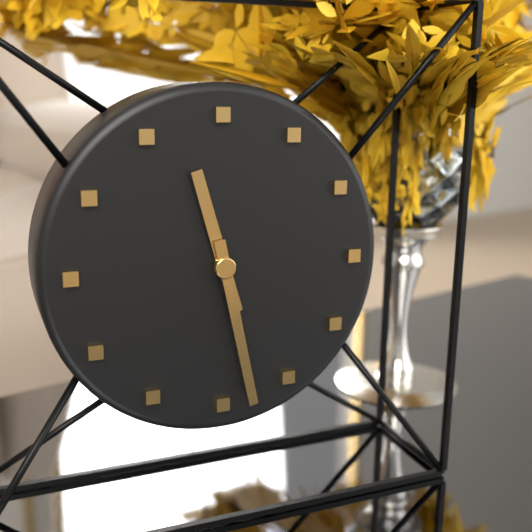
11:28
